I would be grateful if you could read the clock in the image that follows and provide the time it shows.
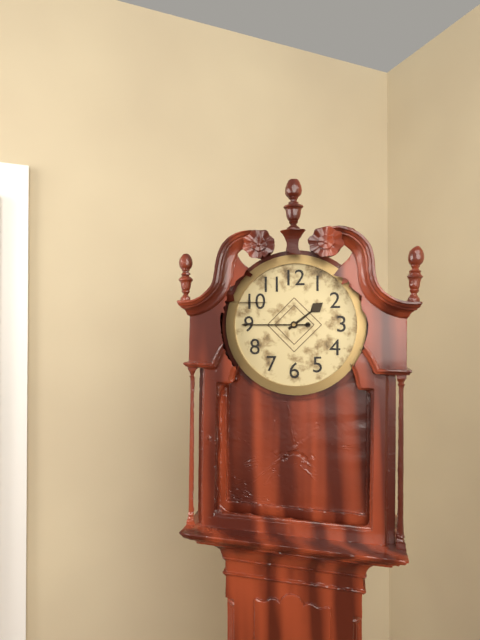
1:45
